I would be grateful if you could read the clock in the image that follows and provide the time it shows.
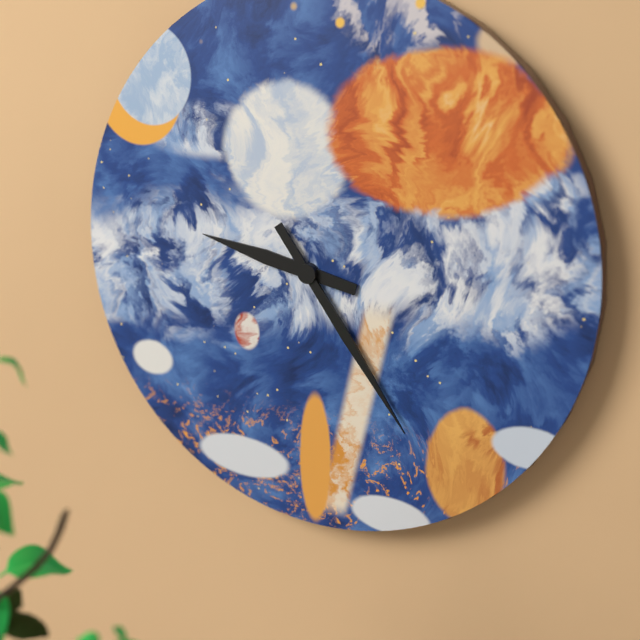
9:24
